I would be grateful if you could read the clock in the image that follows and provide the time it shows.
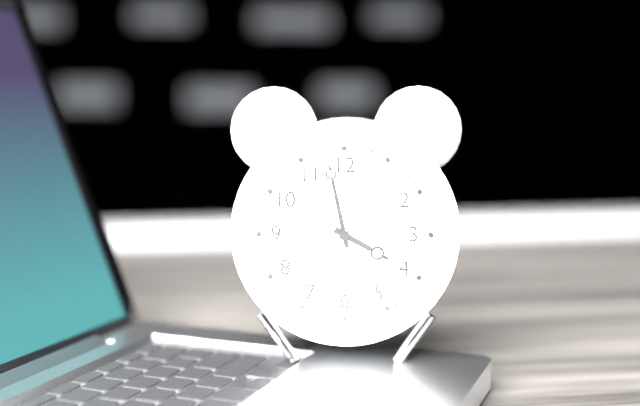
3:58:07
